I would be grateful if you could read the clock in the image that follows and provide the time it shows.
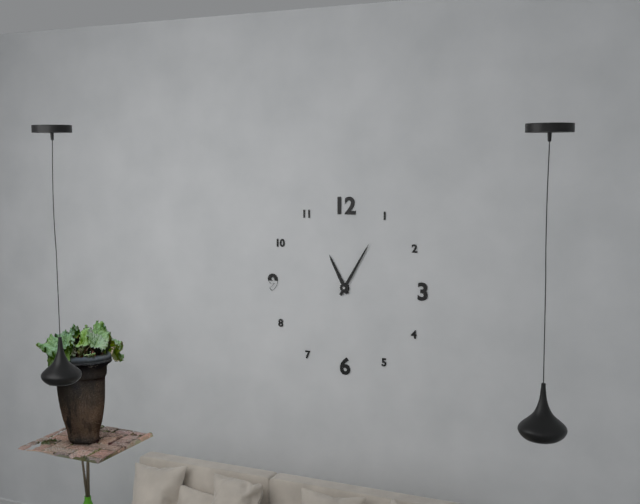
11:05
